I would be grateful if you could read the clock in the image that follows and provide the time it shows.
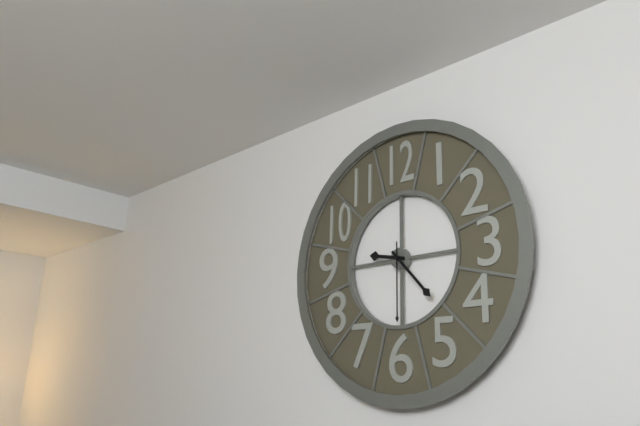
9:23:30
